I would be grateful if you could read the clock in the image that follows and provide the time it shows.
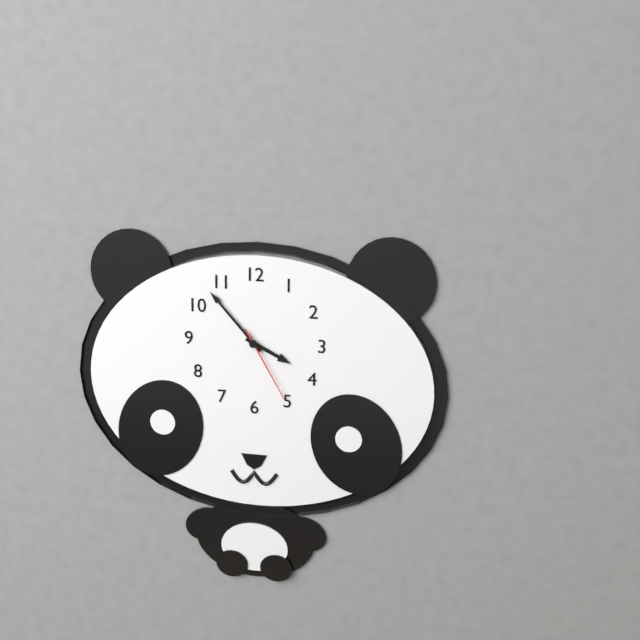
3:53:25
